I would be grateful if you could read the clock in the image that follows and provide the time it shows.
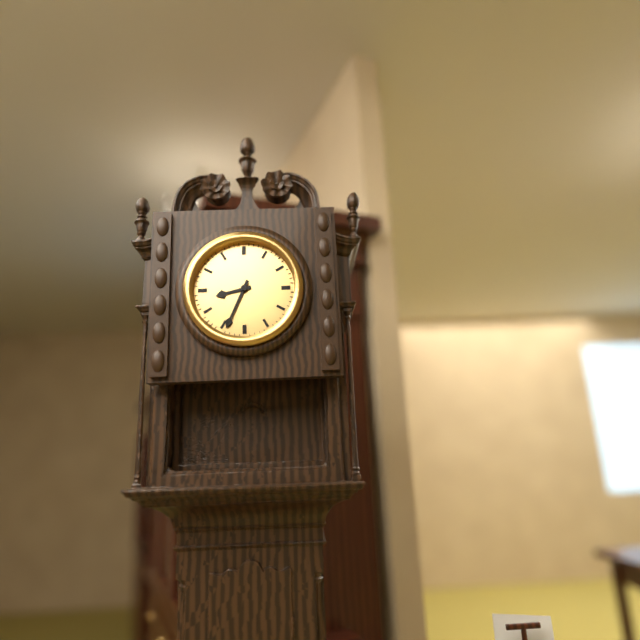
8:34
